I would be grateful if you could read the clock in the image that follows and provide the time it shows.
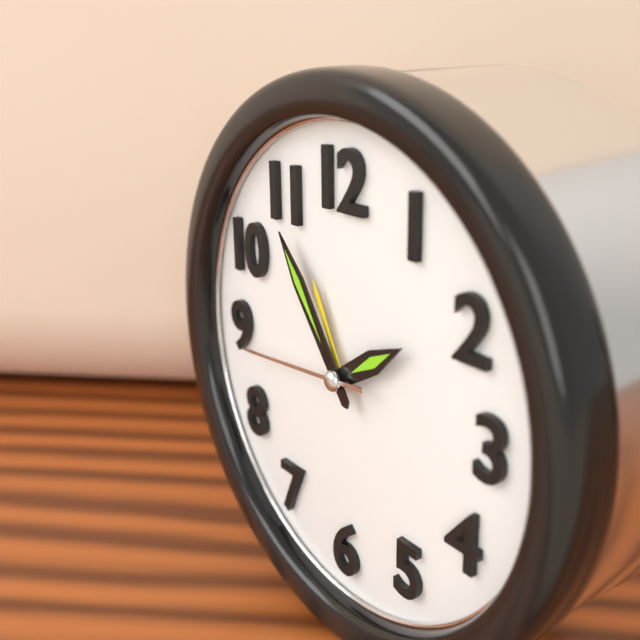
1:54:44
